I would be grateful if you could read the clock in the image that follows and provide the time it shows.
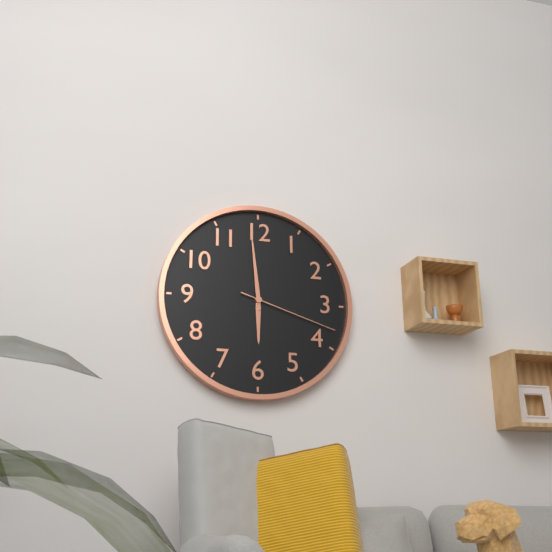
5:59:18
